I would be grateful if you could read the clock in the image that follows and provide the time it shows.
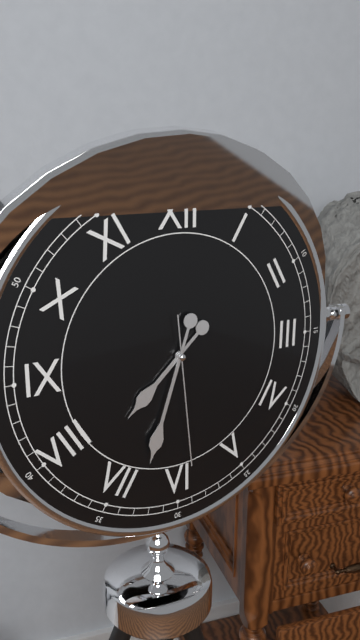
7:33:29
